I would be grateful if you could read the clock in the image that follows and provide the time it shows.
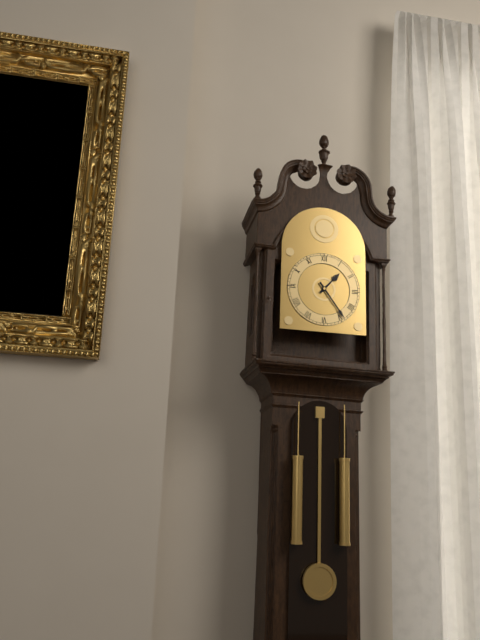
1:24
